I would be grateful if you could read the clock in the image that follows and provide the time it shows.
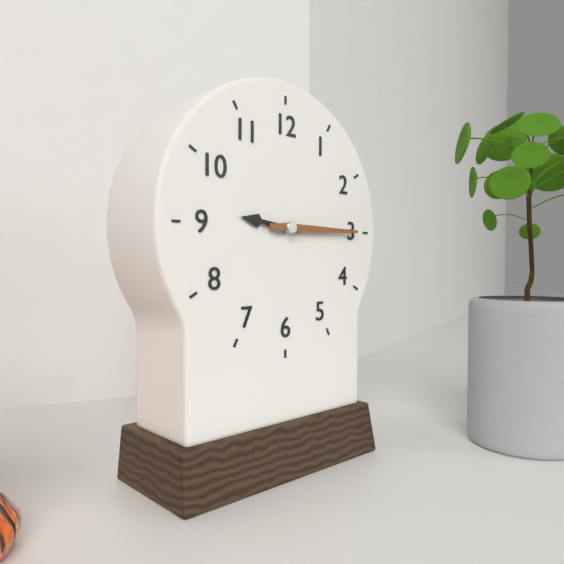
9:15
